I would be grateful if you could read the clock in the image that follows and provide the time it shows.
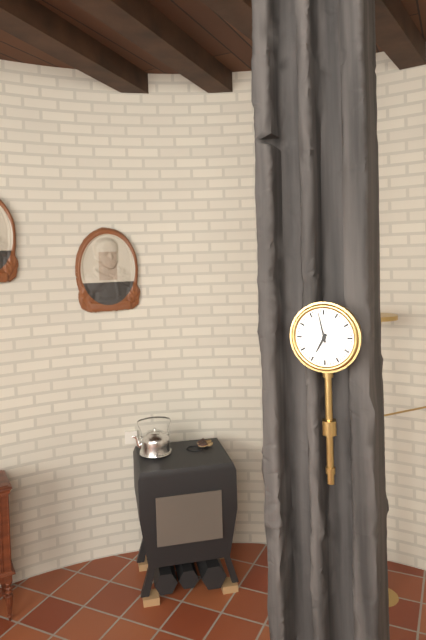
6:58
